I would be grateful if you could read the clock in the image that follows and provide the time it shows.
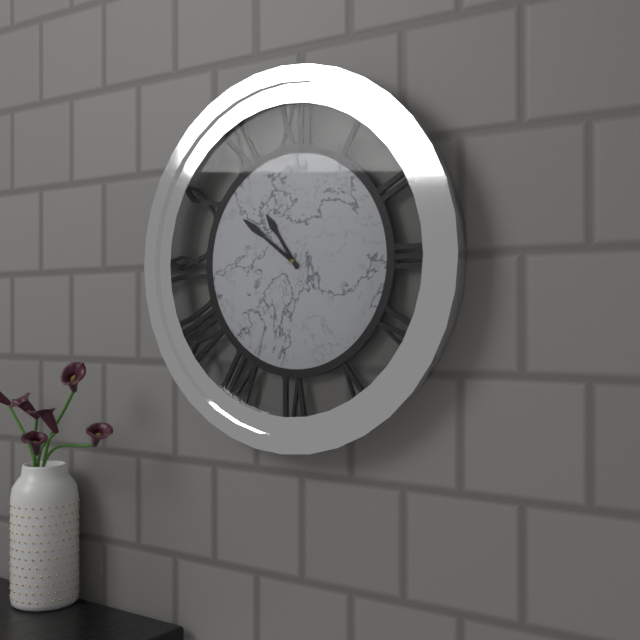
10:51
